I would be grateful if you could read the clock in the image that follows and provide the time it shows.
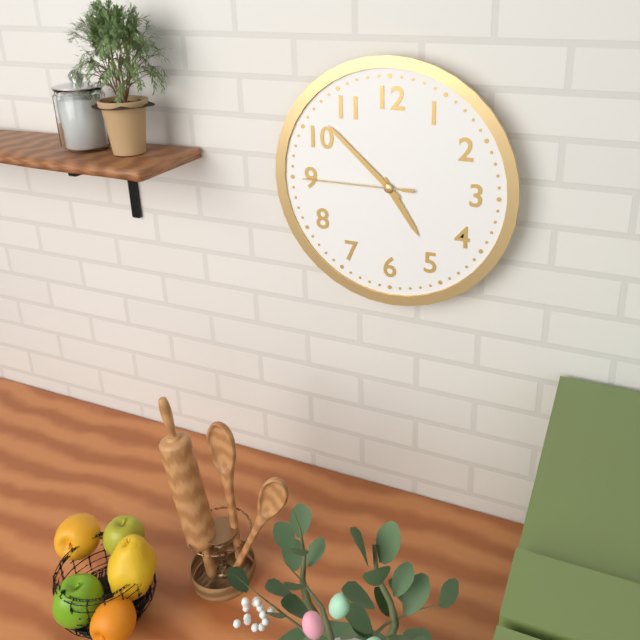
4:52:45
